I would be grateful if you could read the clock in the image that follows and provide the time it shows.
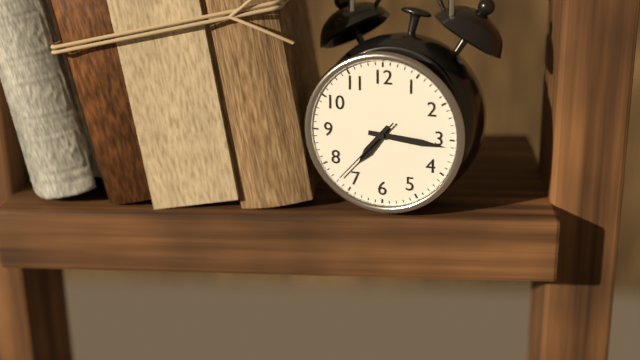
7:16:37
